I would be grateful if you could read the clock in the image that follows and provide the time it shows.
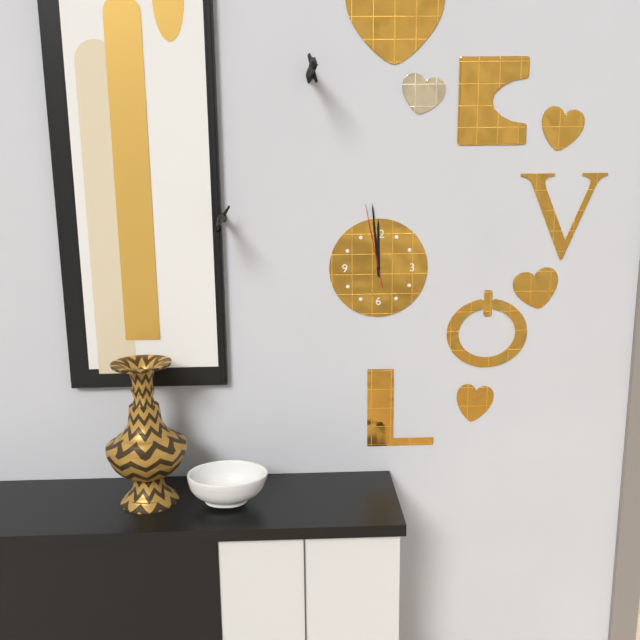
11:59:58
